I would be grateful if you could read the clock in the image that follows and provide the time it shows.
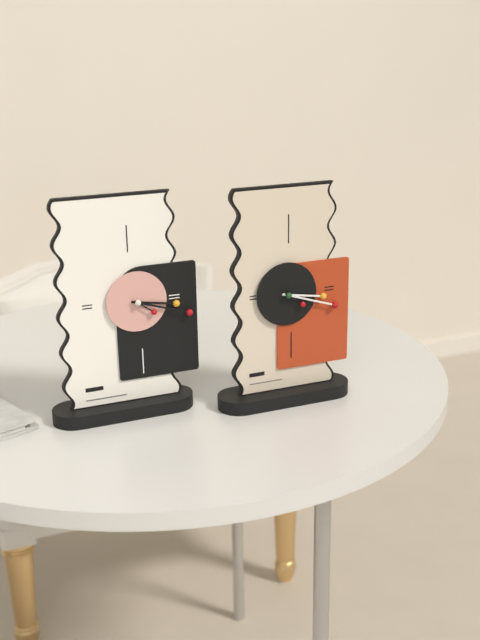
3:18
